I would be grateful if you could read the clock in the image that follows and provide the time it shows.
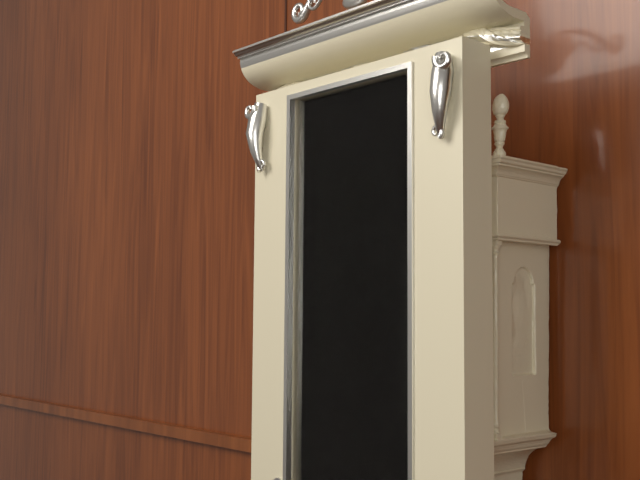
10:54
